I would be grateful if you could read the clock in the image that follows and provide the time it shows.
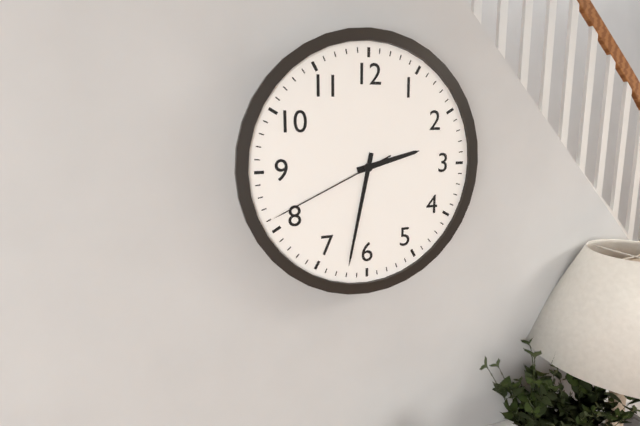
2:32:41
